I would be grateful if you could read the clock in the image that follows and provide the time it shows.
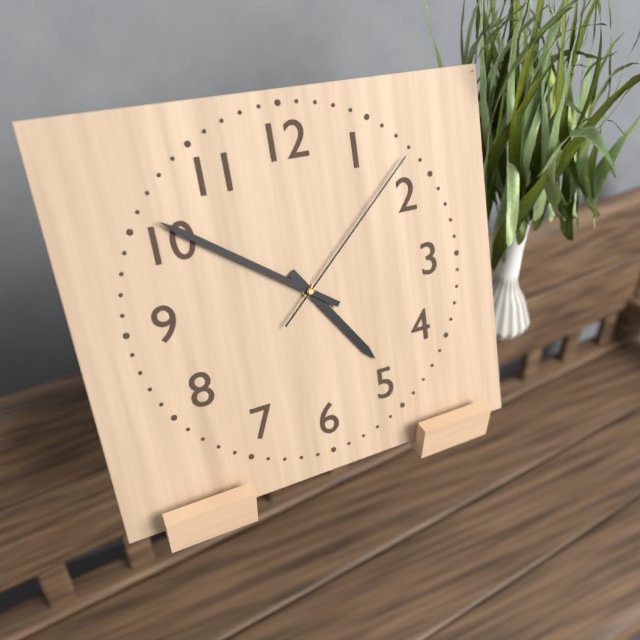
4:51:08
